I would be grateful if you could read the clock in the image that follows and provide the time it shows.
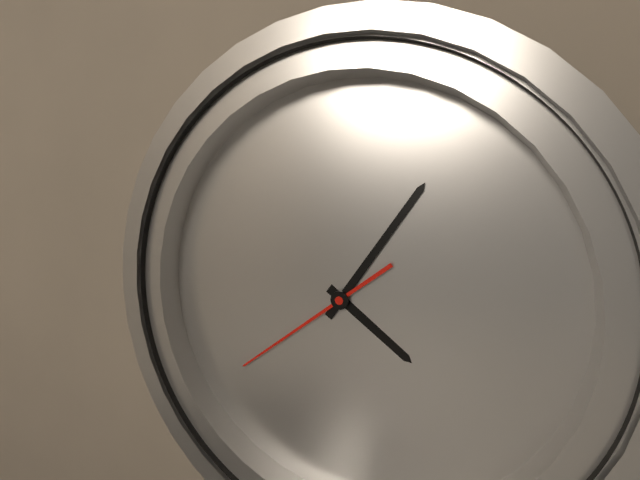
4:05:38
